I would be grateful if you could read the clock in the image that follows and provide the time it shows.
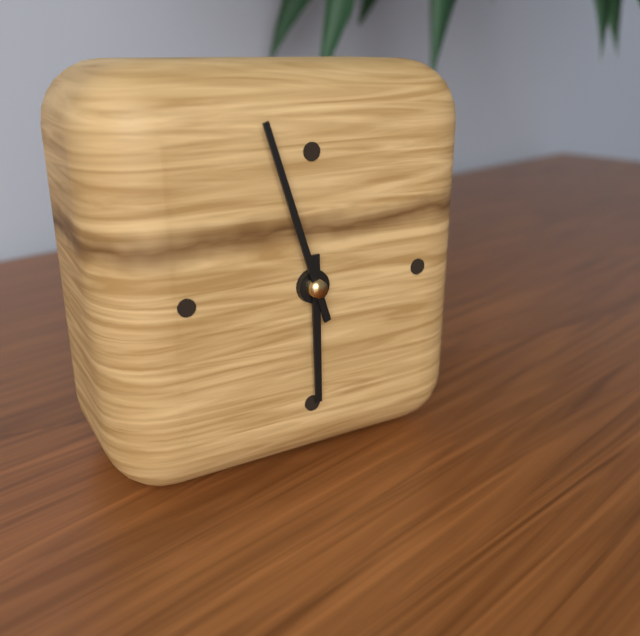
5:57
